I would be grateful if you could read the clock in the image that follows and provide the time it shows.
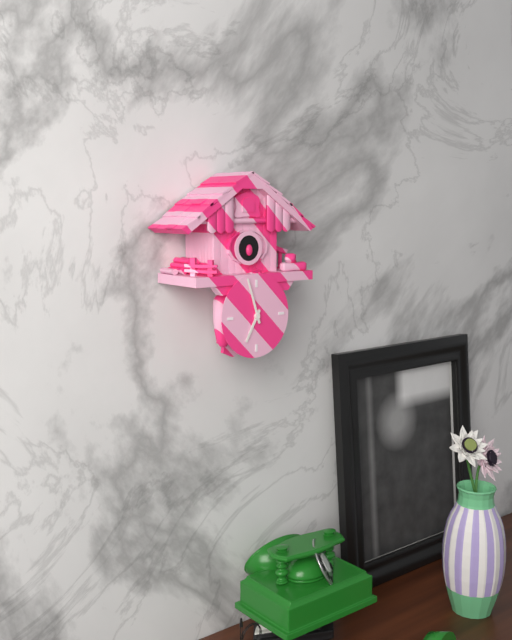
6:57
